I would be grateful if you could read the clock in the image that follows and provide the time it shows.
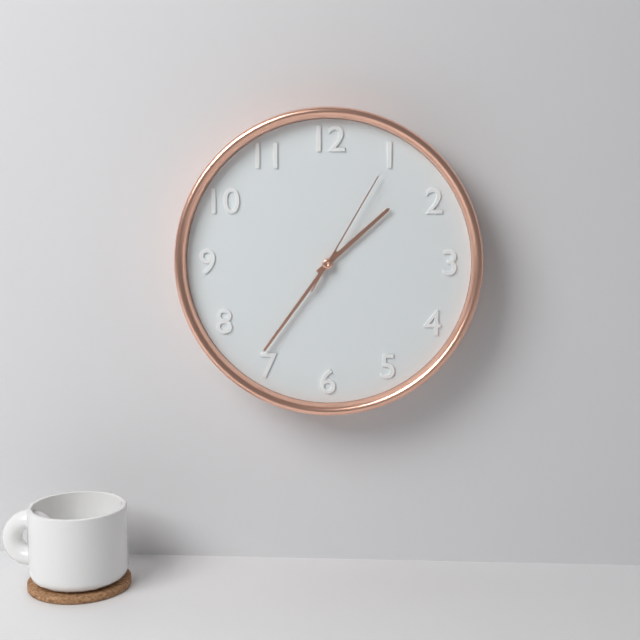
1:36:05
